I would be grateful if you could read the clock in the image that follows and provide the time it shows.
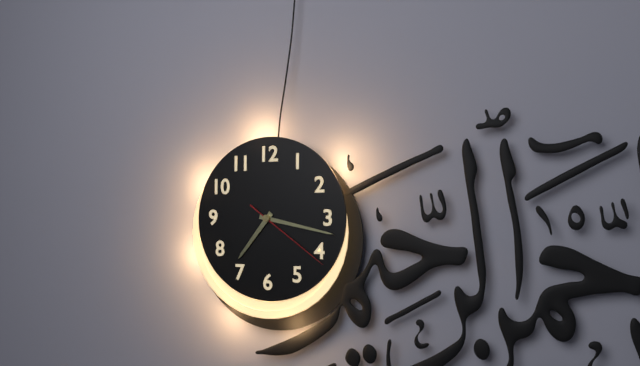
7:17:21
